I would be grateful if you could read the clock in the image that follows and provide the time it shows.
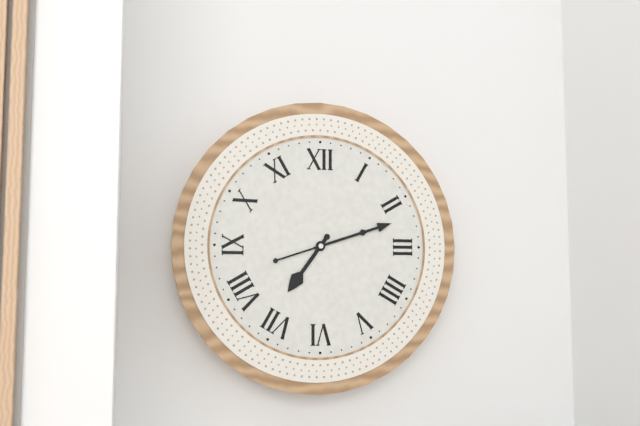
7:12
